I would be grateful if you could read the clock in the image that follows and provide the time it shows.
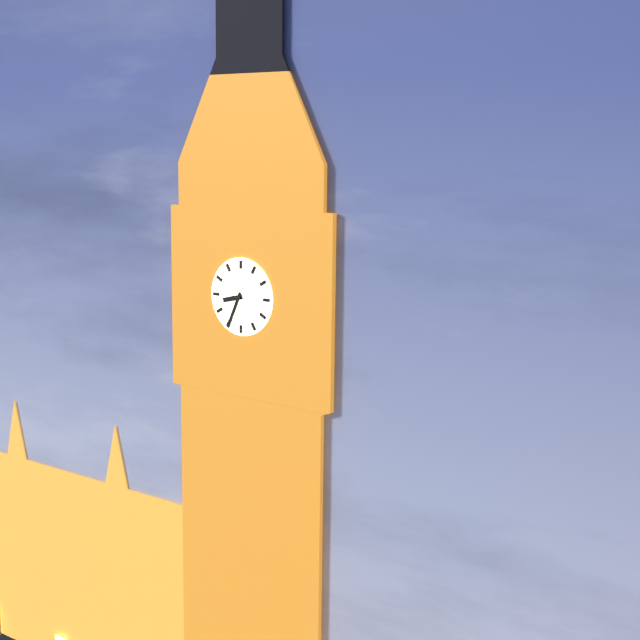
8:34
